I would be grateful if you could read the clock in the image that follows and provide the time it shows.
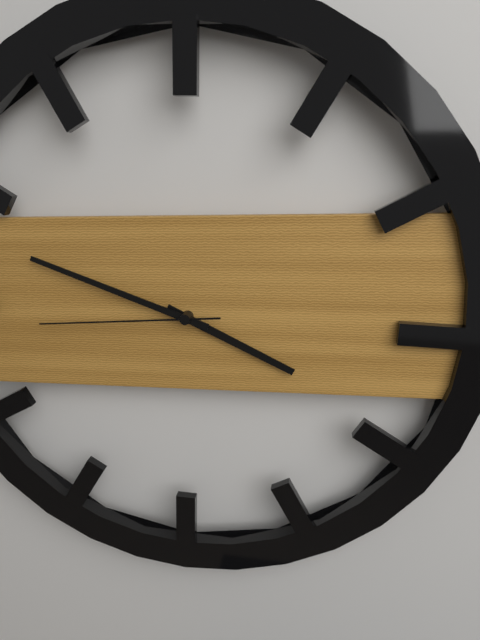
3:48:44
